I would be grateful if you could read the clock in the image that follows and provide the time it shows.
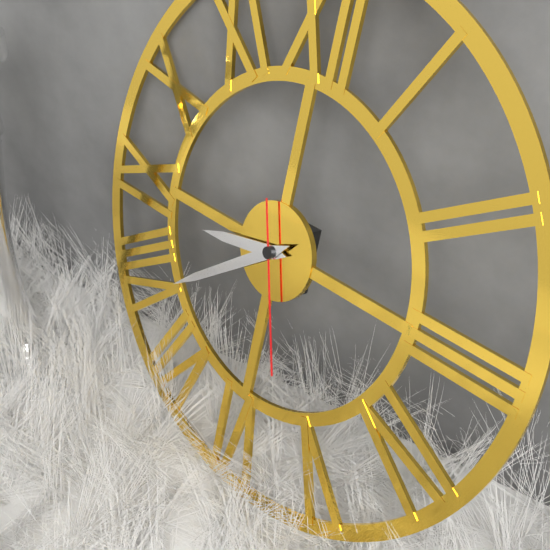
8:39:27
